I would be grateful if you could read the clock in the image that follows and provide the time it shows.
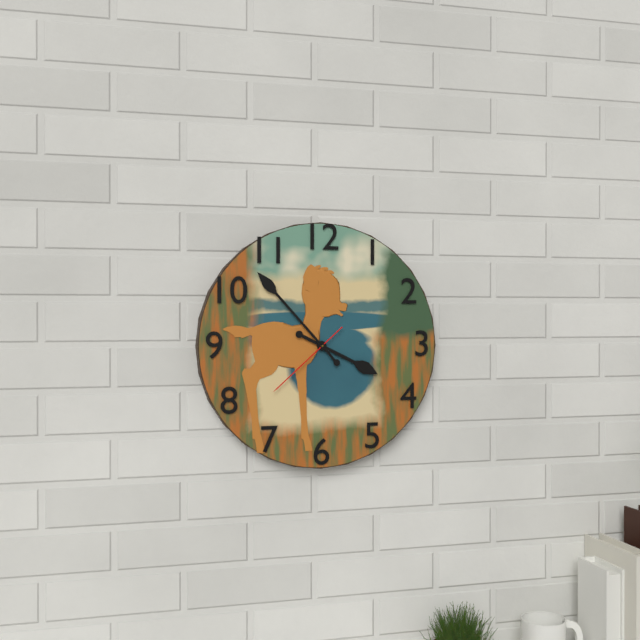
3:53:38
